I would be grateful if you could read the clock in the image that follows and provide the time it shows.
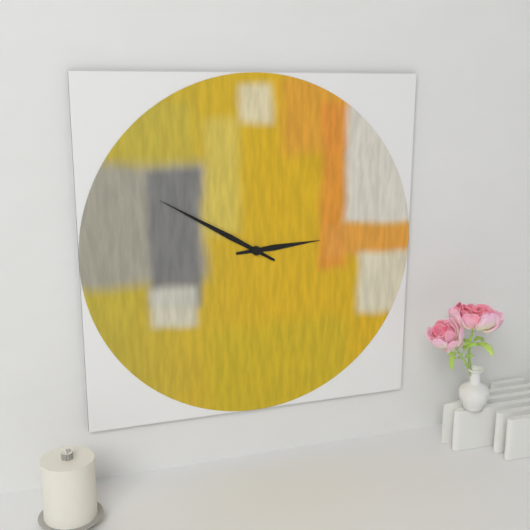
2:50
